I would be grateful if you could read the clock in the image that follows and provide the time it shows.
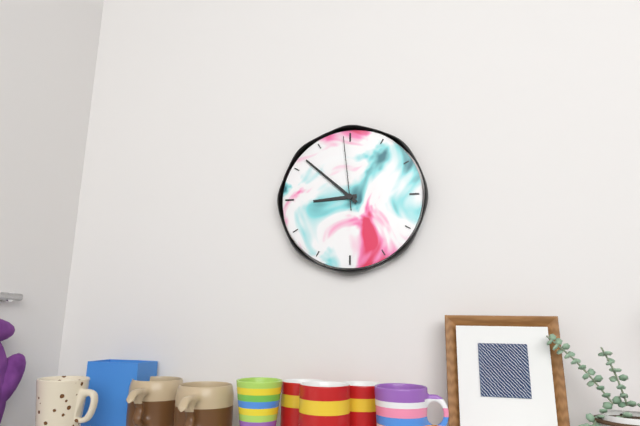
8:52:59
